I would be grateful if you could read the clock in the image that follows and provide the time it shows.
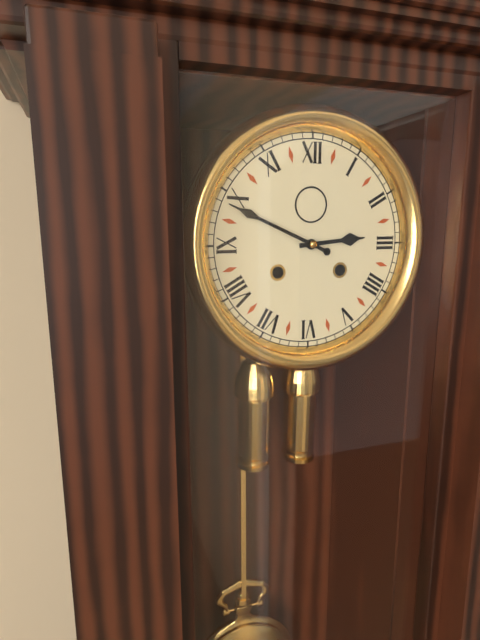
2:49
